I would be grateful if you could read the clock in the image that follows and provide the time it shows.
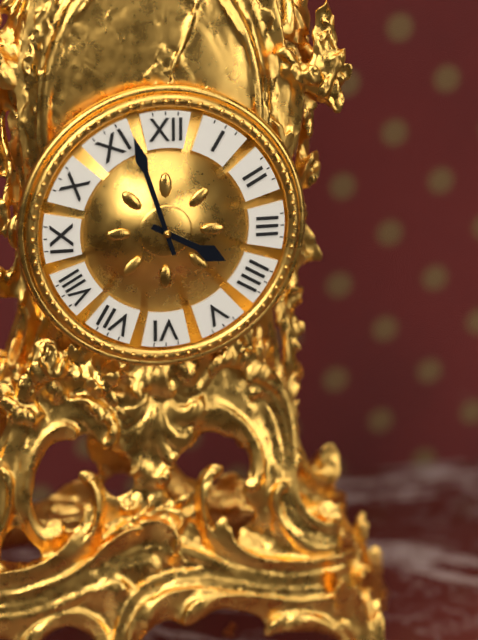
3:57
